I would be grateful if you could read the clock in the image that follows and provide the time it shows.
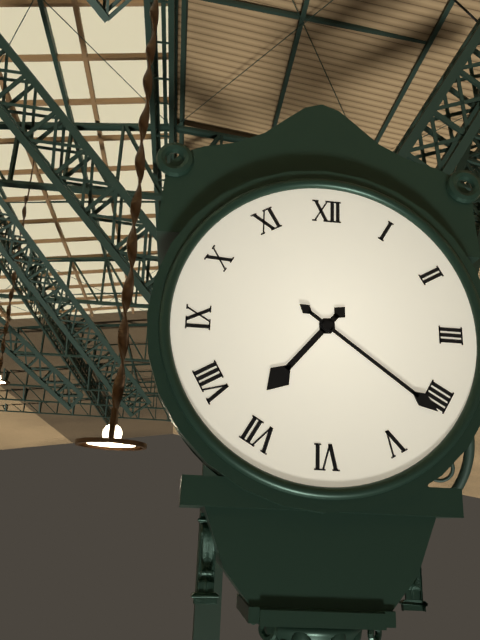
7:21
